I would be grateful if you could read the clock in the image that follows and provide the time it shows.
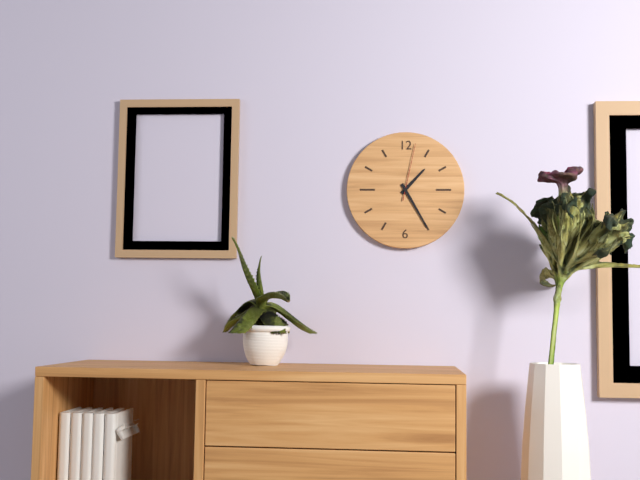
1:25:02
